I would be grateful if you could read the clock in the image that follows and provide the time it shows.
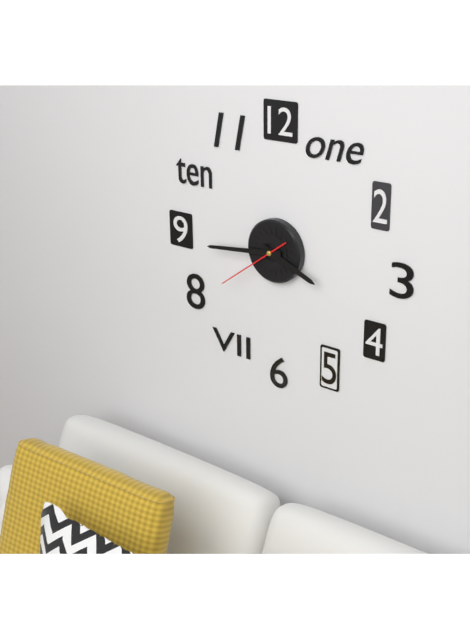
3:44:39
